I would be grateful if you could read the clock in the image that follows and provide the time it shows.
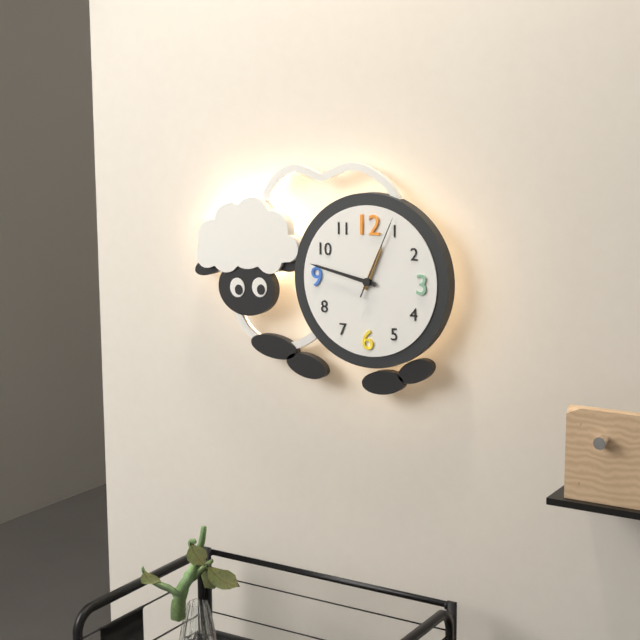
12:47:04
